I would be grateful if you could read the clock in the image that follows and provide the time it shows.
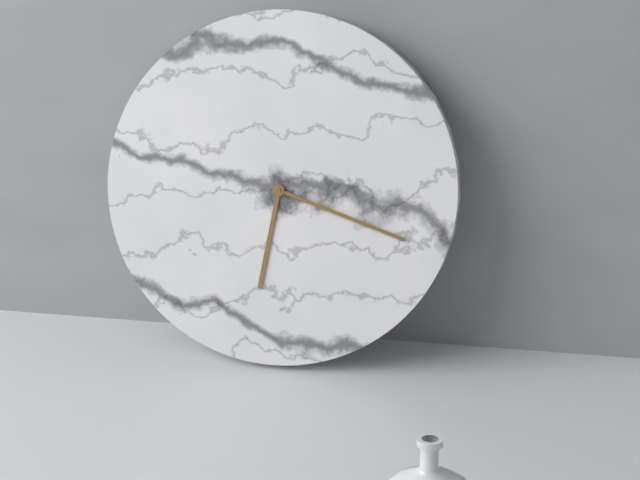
6:18
